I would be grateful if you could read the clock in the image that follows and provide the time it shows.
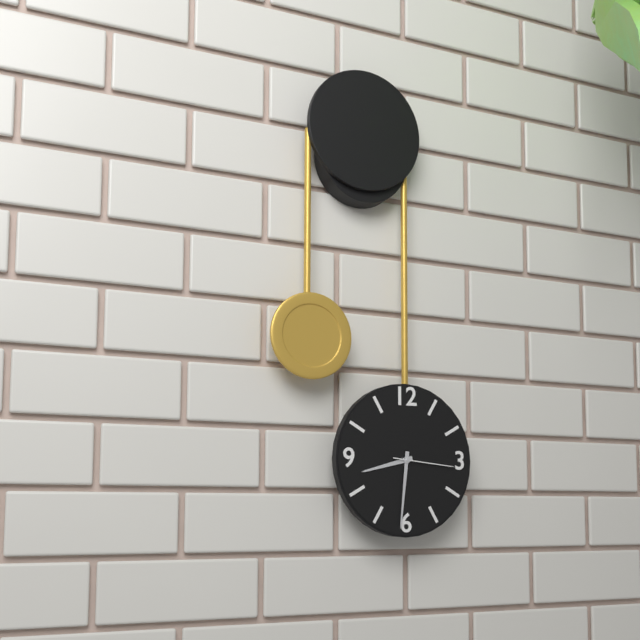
8:31:16
